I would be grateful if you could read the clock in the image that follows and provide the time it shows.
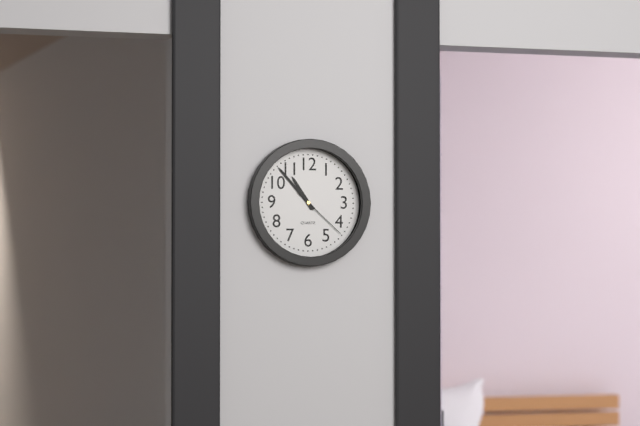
10:53:22
